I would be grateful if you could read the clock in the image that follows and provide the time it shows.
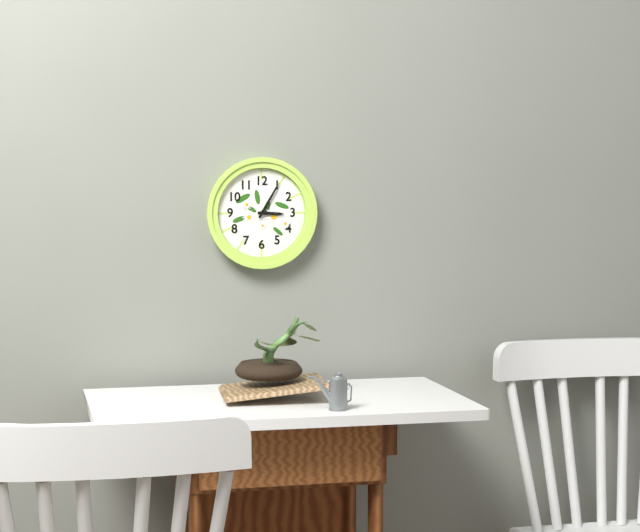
3:05
